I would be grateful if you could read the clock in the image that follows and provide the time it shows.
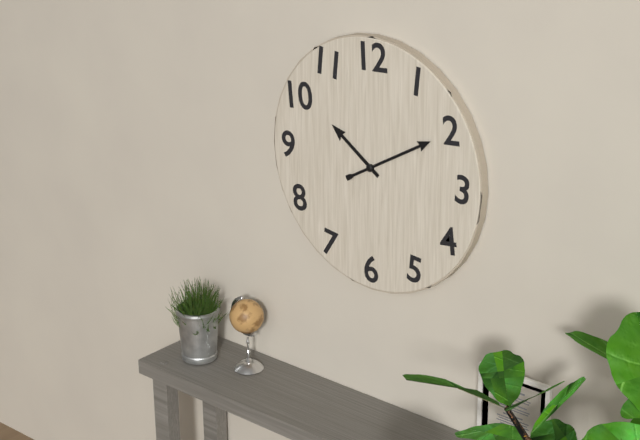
10:10
